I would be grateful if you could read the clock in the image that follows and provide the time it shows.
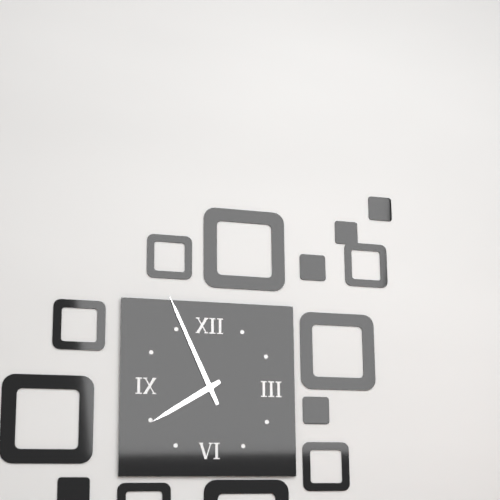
7:56
